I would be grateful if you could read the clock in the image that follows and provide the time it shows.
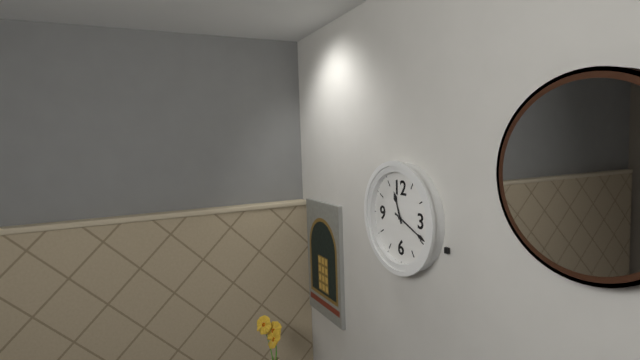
11:19
